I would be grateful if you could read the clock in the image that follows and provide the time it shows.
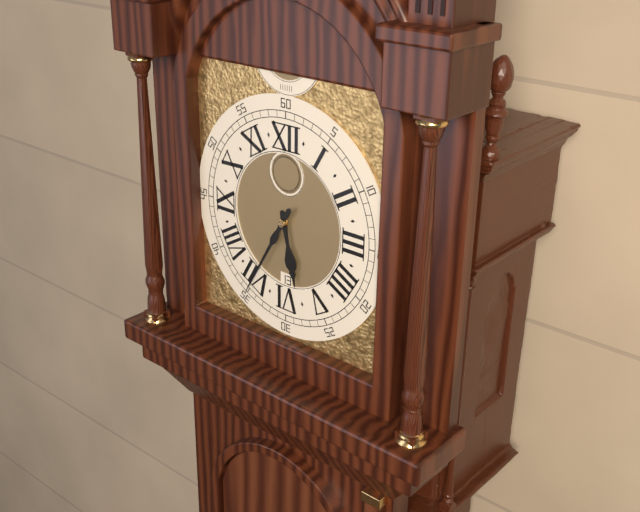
5:35
